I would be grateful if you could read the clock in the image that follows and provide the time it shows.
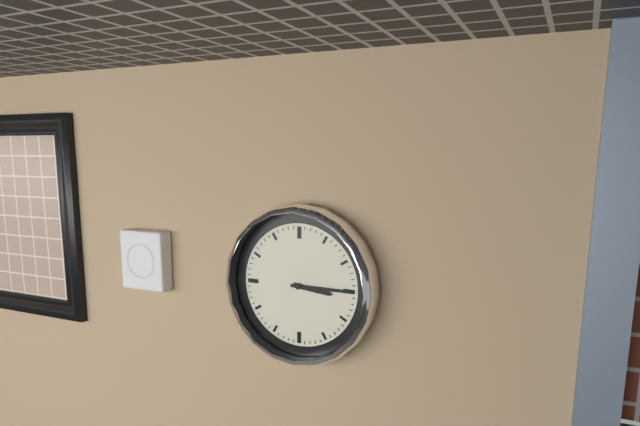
3:15
